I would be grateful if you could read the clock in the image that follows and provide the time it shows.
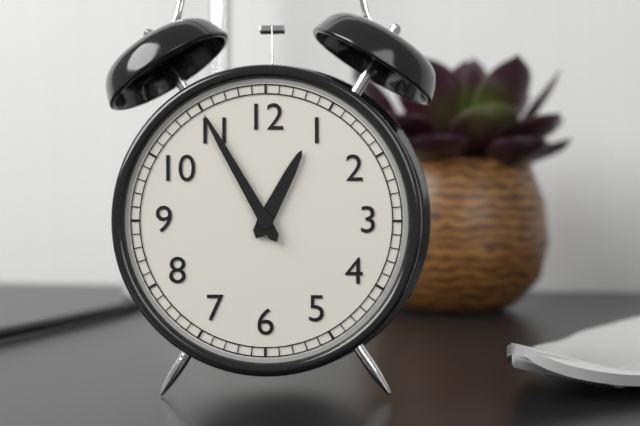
12:55
